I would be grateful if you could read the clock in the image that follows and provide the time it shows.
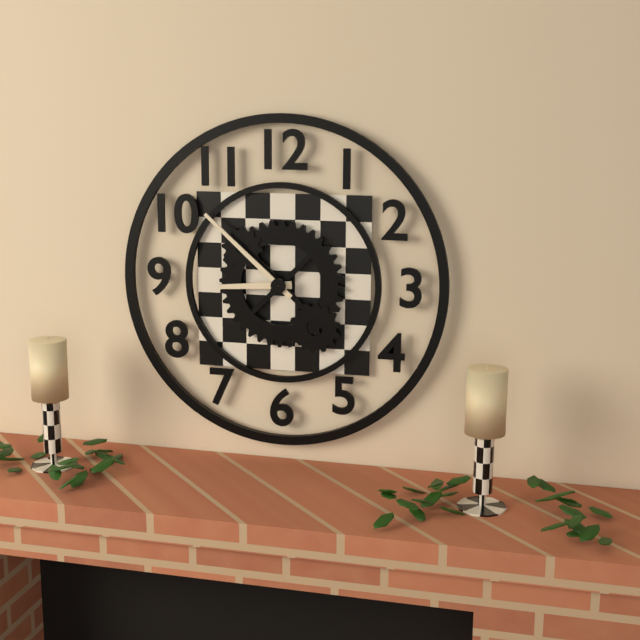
8:52
